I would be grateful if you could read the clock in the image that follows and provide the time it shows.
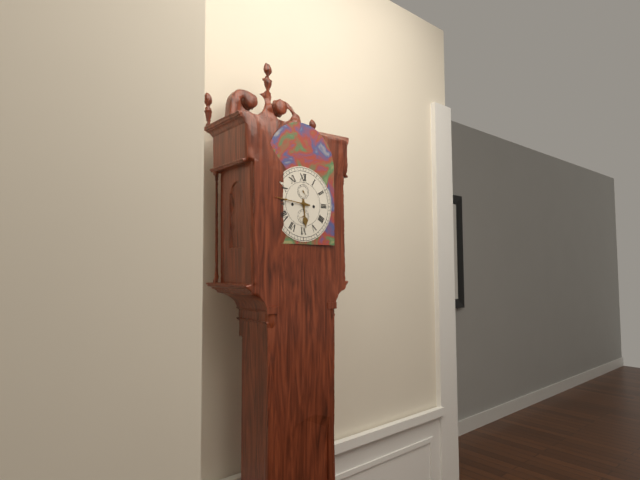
5:46
